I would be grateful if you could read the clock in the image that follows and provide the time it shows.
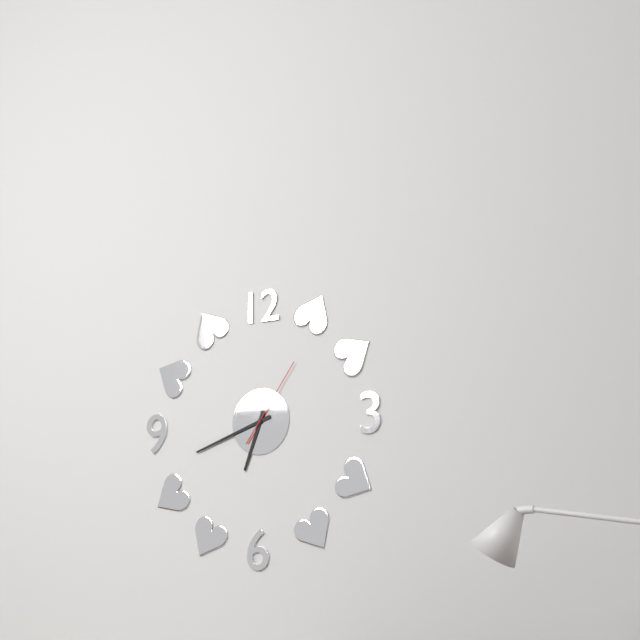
6:42:06
